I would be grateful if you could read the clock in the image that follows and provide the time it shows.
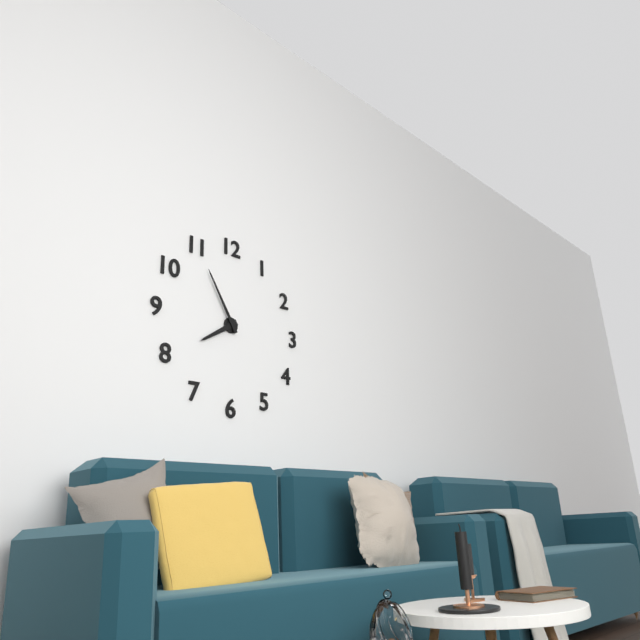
7:55
